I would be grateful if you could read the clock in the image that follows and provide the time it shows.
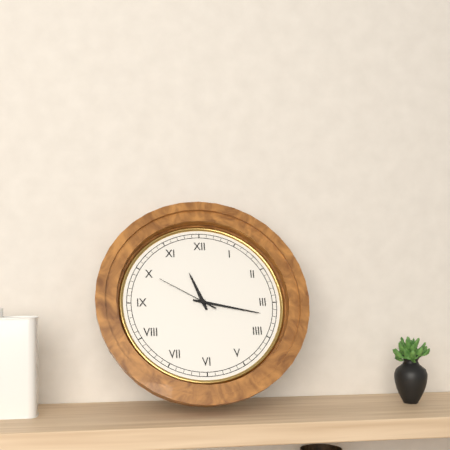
11:17:50
